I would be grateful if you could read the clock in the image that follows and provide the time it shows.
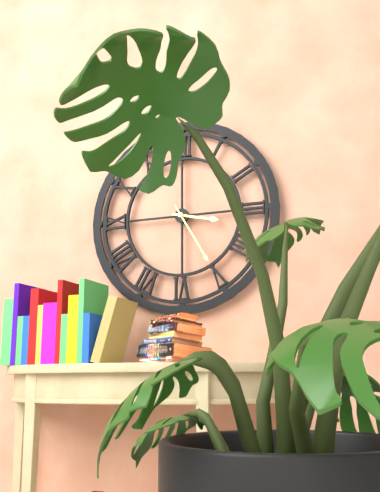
3:25
